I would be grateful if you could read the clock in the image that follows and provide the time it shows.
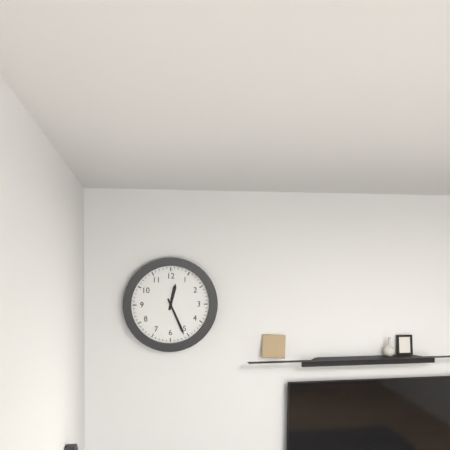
12:26
